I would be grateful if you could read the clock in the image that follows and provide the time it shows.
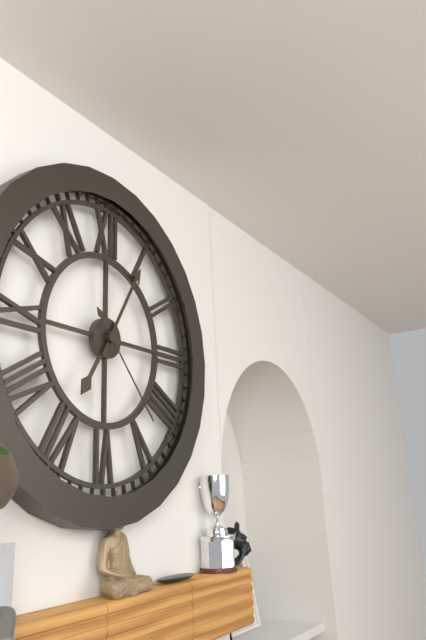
7:05:23
